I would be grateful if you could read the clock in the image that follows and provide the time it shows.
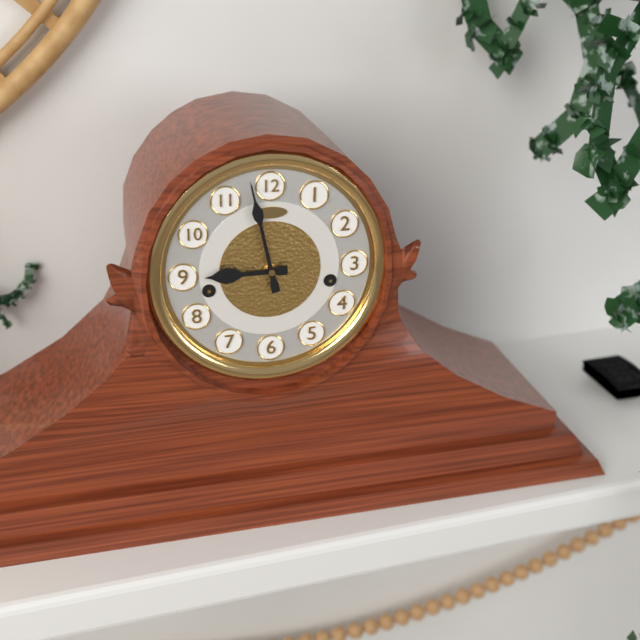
8:58
